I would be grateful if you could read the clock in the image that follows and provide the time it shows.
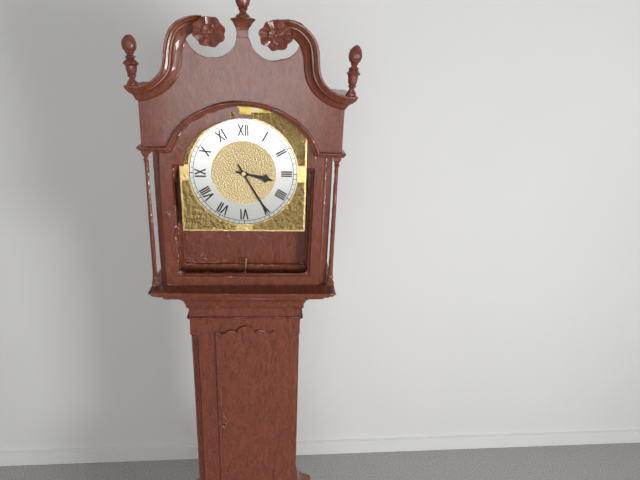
3:25
